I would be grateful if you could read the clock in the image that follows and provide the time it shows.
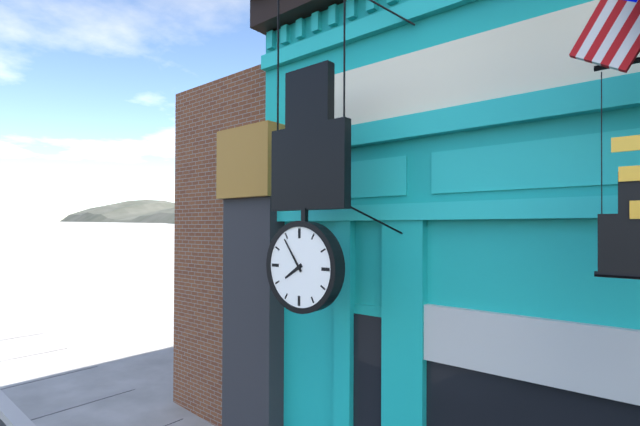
7:54
